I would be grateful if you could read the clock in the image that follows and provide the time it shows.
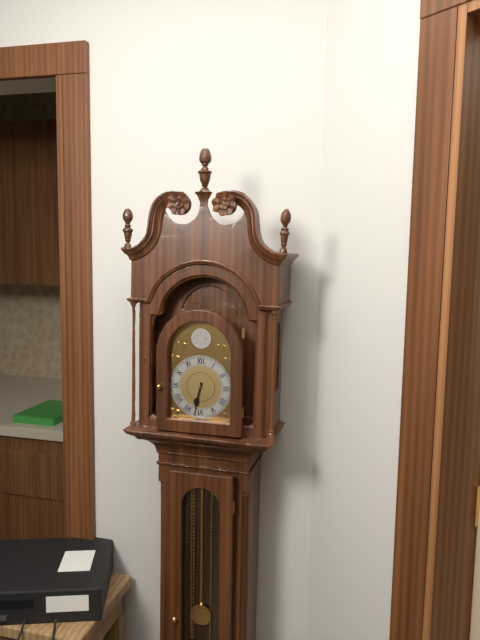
6:32
